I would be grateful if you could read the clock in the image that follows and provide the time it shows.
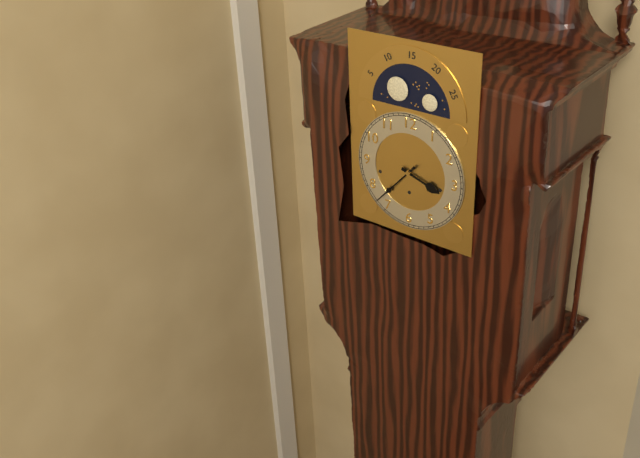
3:37
